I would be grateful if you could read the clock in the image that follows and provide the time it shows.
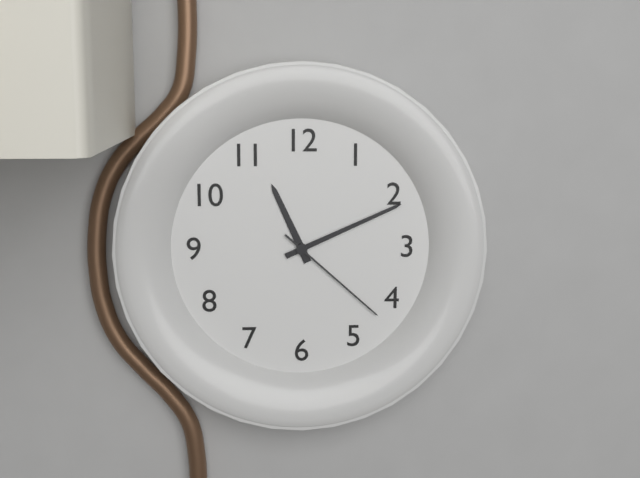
11:11:22
